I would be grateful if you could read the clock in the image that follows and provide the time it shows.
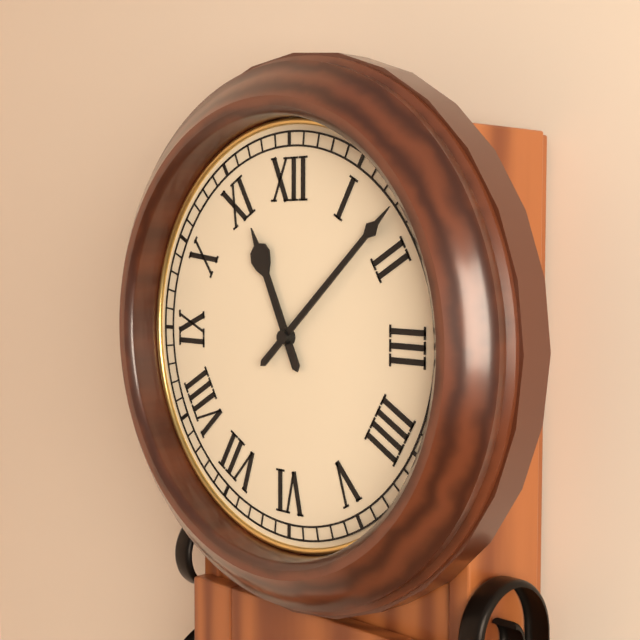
11:08
